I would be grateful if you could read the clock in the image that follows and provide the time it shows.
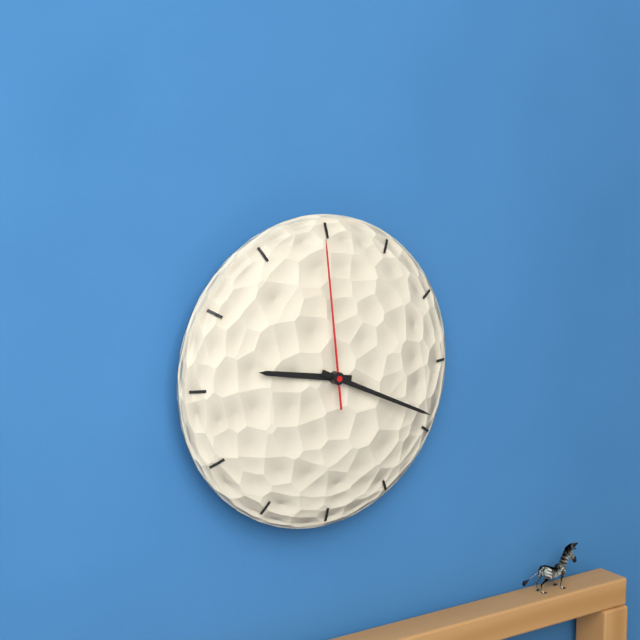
9:19:59
